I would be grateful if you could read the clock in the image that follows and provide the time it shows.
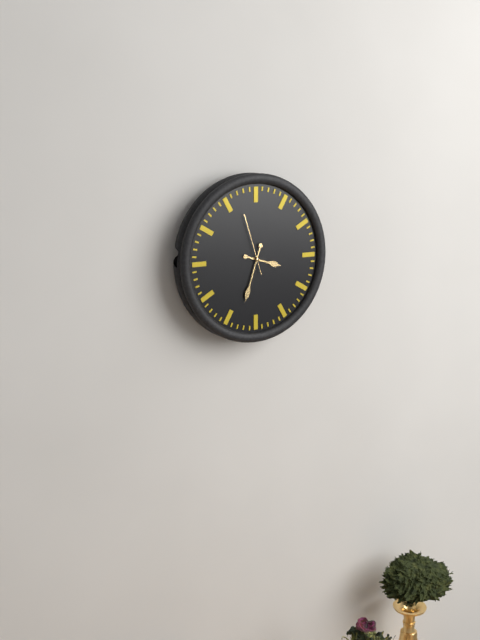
3:33:57
